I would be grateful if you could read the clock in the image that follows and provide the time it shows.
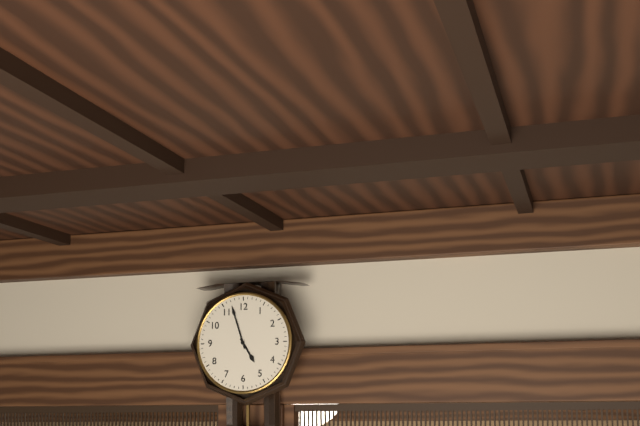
4:57
